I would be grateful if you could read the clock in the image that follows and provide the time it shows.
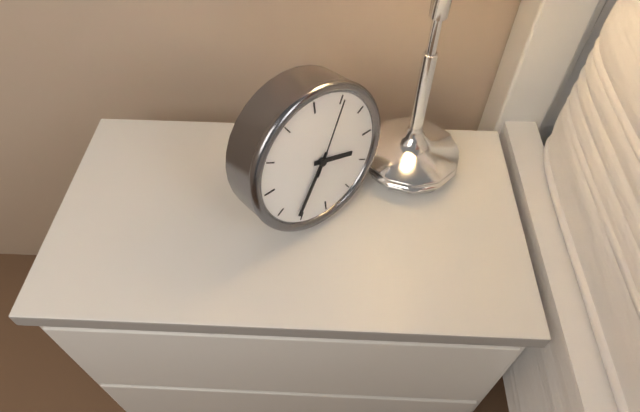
3:36:05
